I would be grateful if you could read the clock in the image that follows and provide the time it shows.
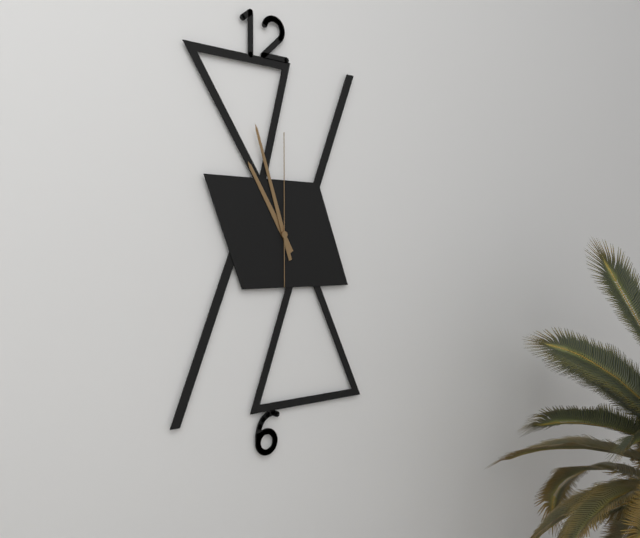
10:57:00
